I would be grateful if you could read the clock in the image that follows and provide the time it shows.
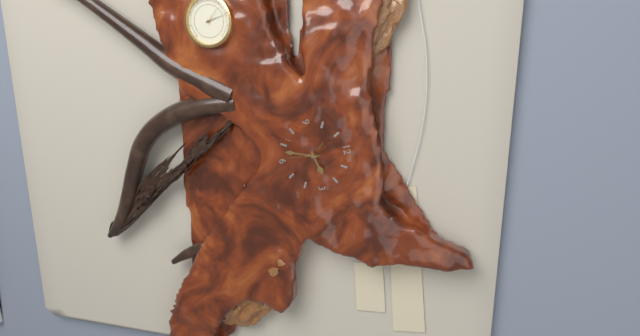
2:33
